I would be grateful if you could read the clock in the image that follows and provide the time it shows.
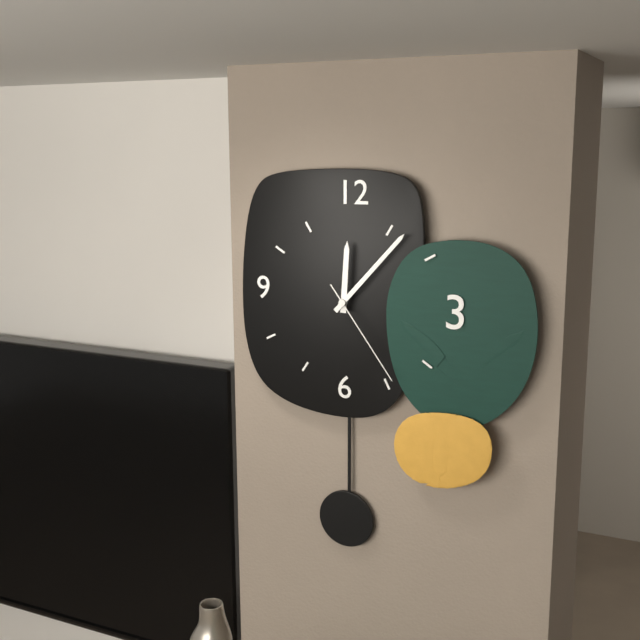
12:07:24
